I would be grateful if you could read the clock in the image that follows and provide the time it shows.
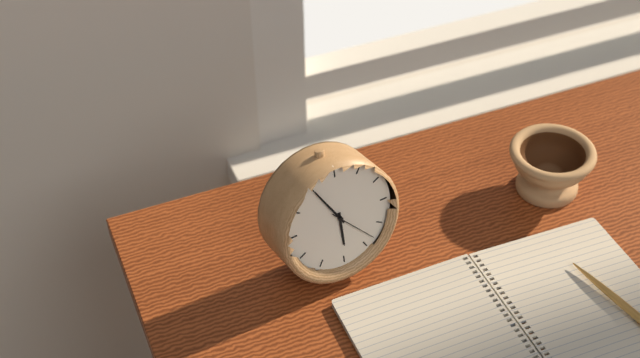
5:55
